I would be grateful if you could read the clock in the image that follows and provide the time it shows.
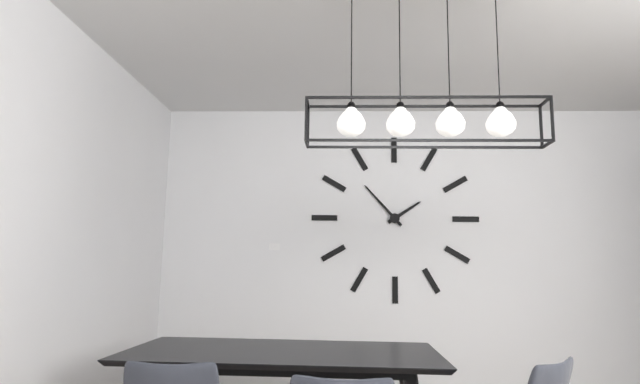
1:53
